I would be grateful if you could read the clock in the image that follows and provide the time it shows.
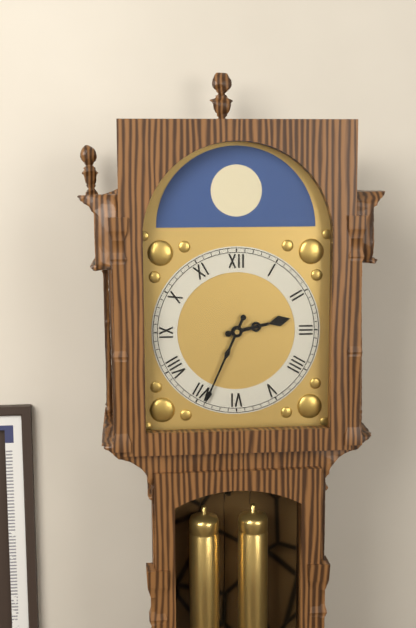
2:34
